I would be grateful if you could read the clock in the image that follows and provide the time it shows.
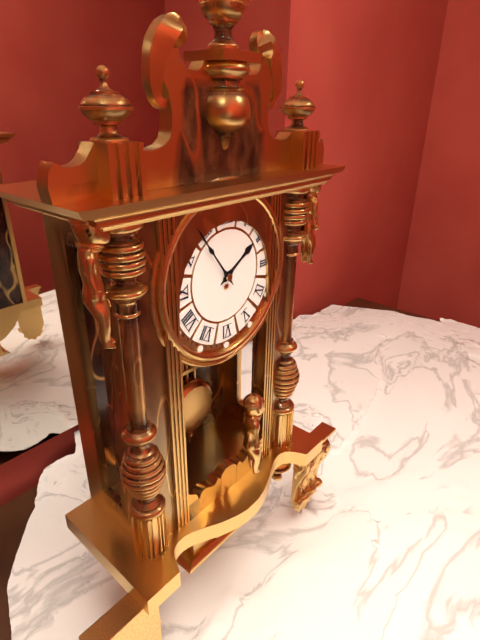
1:54
